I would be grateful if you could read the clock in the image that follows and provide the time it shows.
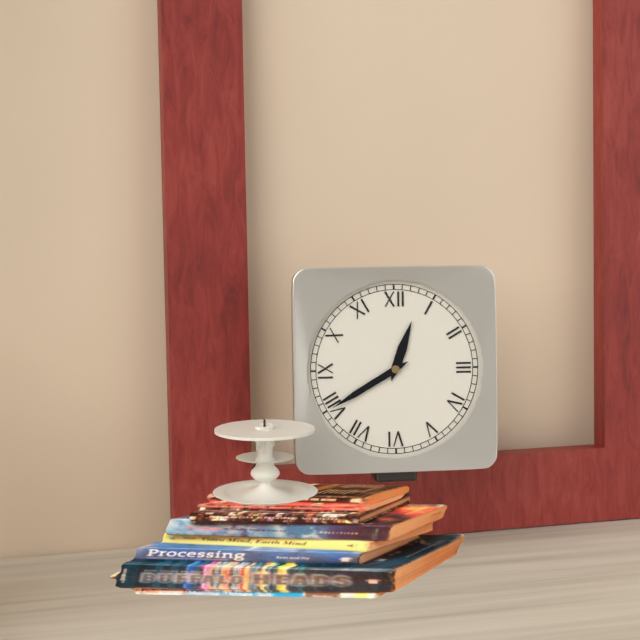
12:40
